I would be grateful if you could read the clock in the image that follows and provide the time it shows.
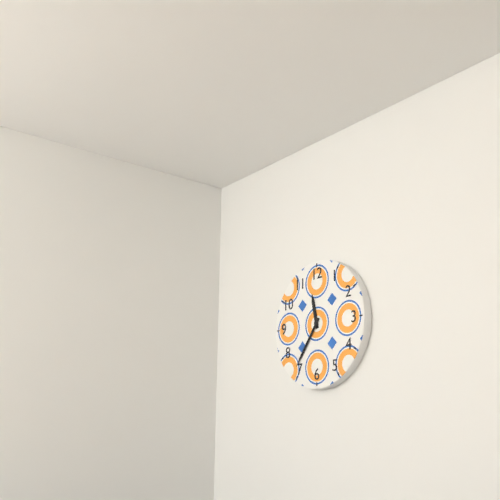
11:36
